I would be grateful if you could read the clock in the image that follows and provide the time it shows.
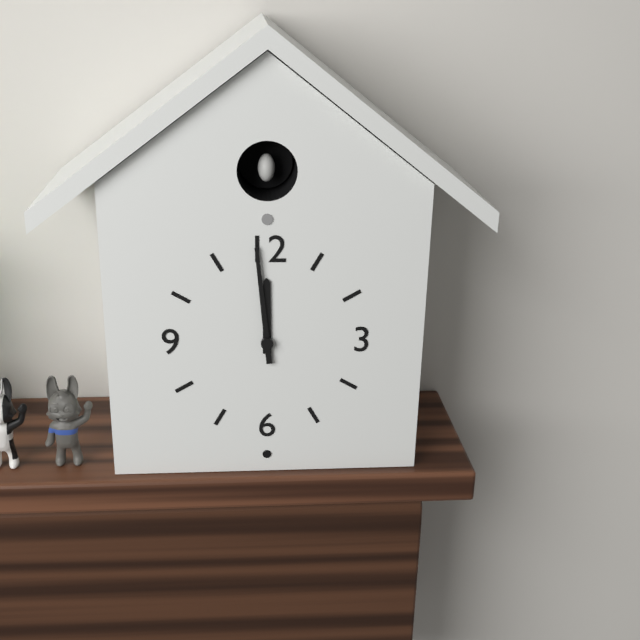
11:59
